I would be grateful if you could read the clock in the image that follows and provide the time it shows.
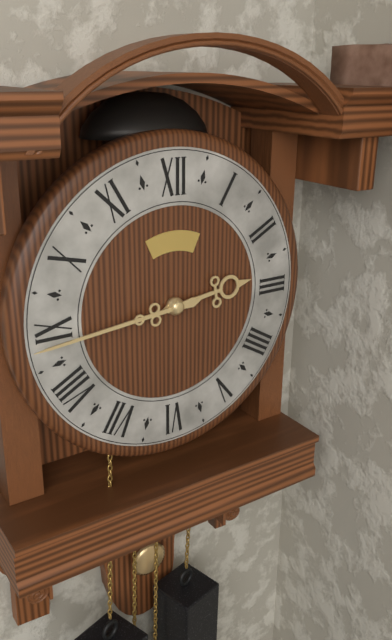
2:44
